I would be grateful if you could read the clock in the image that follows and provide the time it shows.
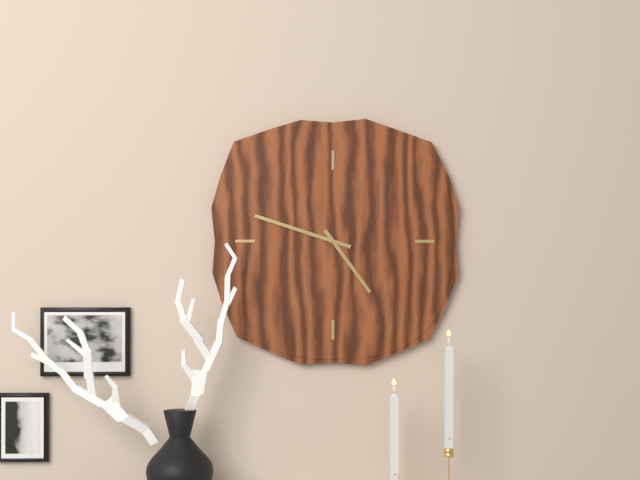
4:48
